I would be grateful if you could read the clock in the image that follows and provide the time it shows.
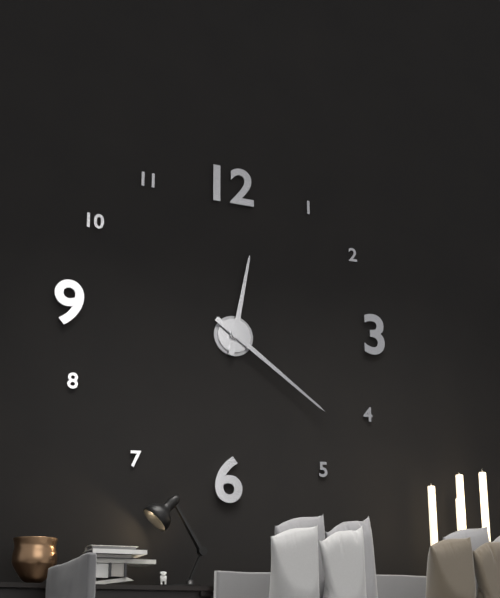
12:21
